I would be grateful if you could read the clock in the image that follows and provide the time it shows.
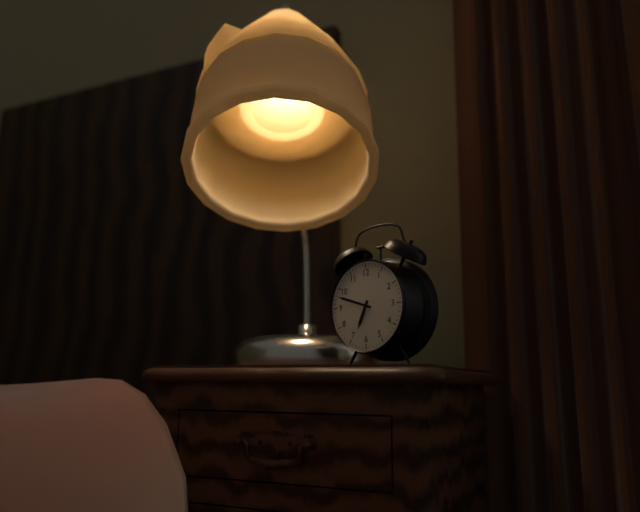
6:48
